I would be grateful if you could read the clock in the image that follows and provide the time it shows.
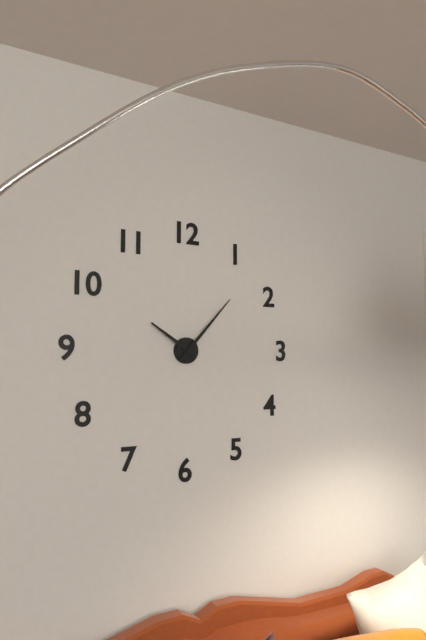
10:07
